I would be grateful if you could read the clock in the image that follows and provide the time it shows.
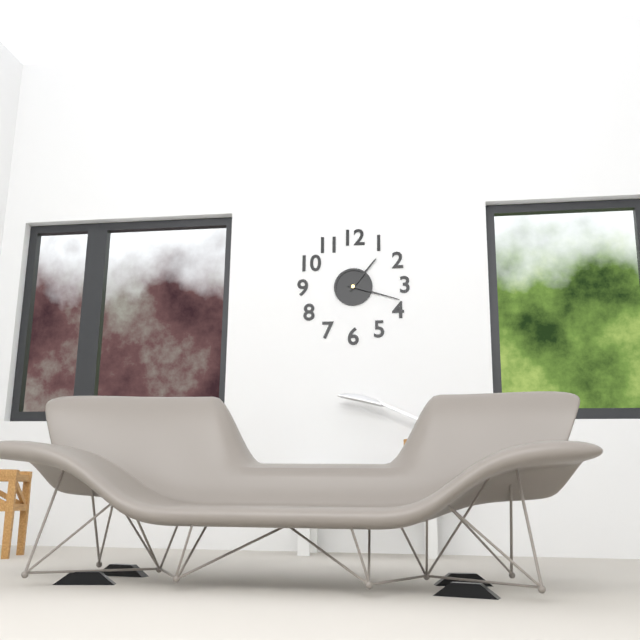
1:18
